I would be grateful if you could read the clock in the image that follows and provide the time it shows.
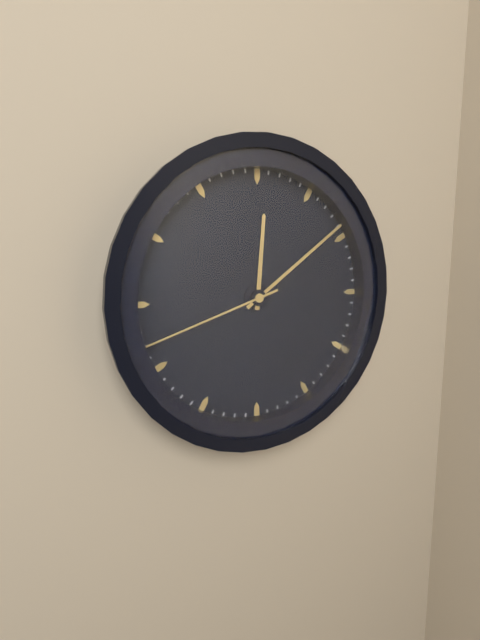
12:09:42
